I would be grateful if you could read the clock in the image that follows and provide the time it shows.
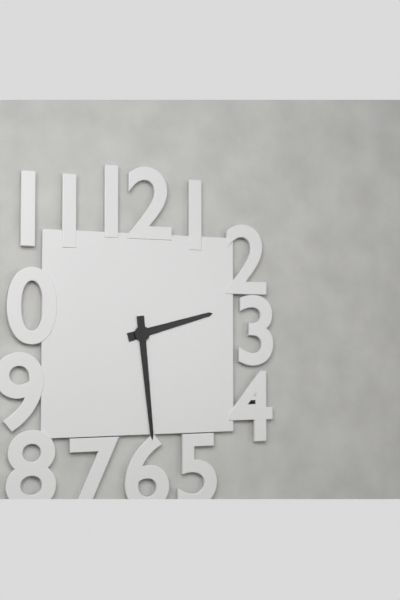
2:29
